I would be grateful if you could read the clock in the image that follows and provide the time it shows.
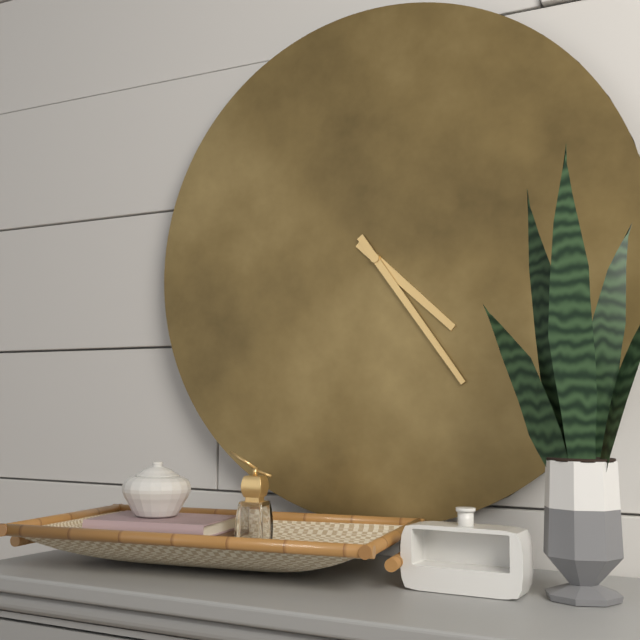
4:24
